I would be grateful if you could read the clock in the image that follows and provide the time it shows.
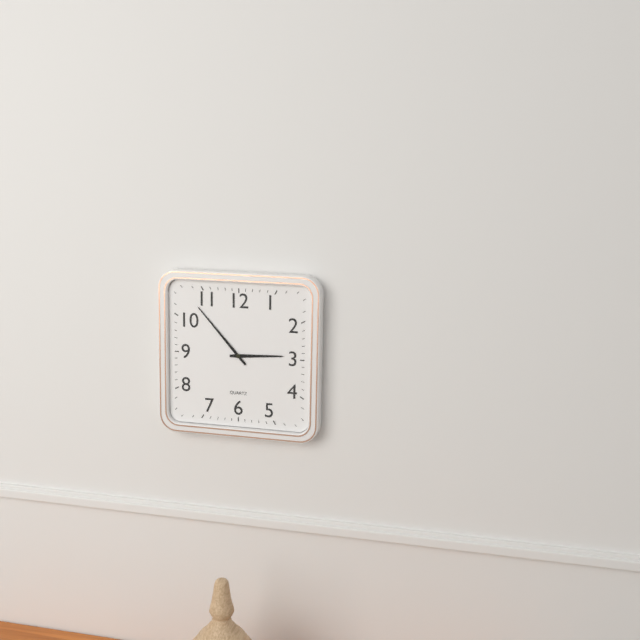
2:53
